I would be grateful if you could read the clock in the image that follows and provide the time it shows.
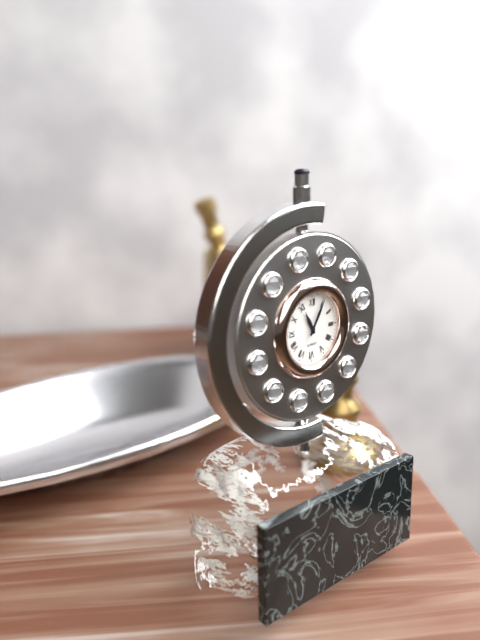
11:05
